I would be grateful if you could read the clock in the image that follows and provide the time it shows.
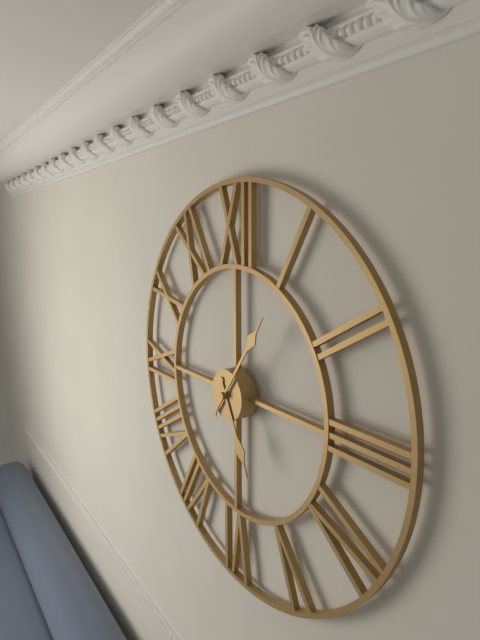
5:06
